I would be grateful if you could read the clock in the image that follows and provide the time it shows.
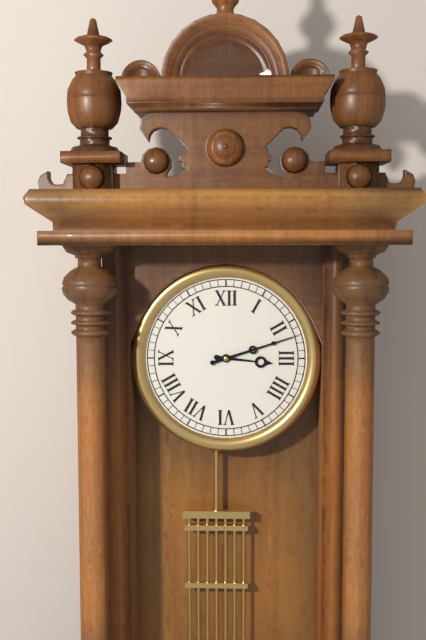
3:12
